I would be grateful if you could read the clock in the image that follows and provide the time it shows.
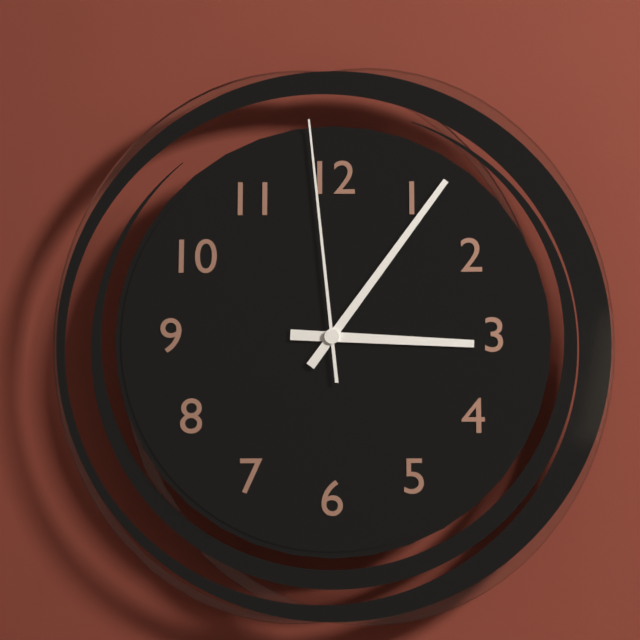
3:06:59
